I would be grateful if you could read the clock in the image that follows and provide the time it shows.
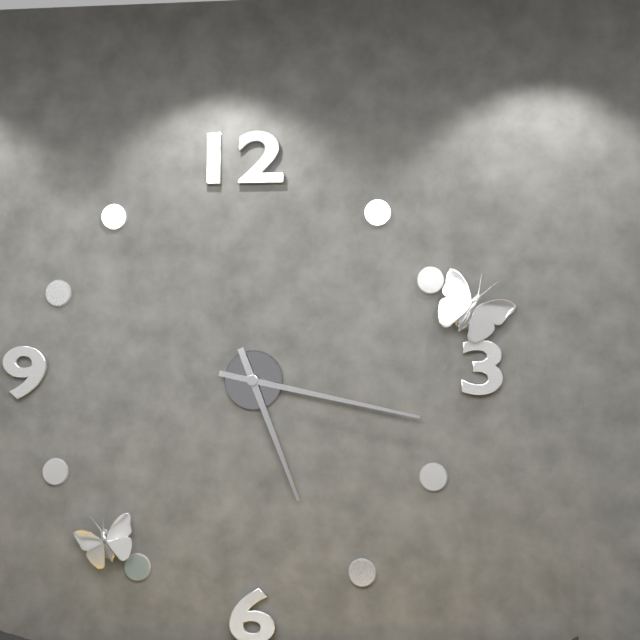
5:17
